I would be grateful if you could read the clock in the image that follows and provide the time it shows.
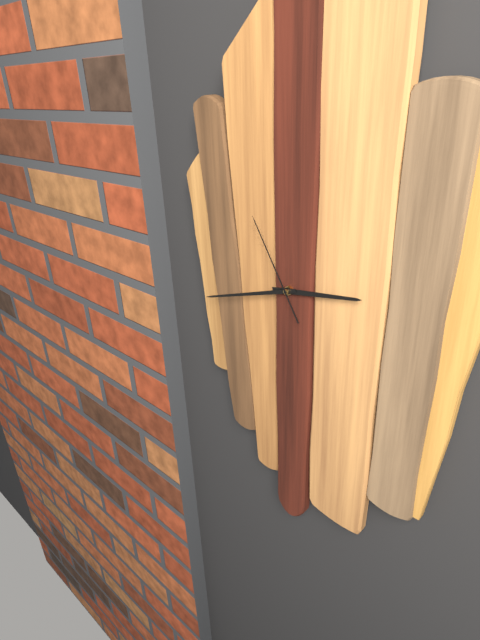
2:42:55
